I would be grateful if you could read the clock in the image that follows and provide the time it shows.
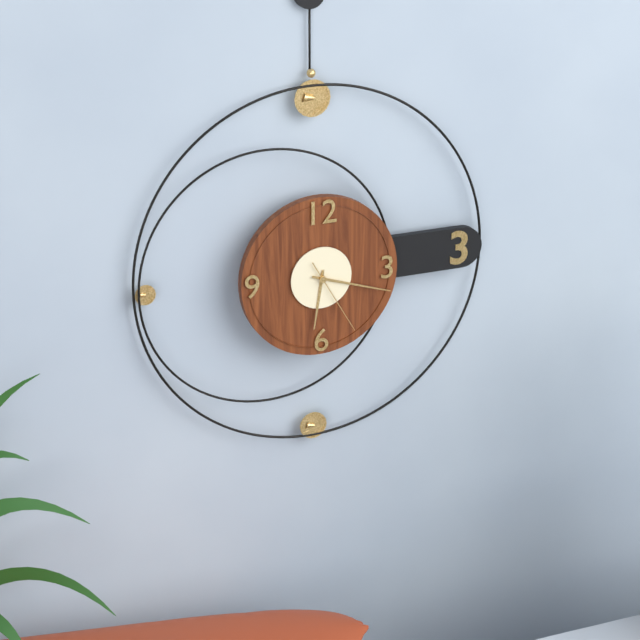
6:18:25
